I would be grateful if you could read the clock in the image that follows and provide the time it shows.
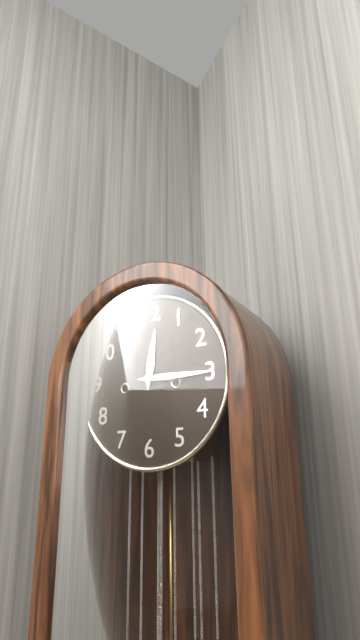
12:15
